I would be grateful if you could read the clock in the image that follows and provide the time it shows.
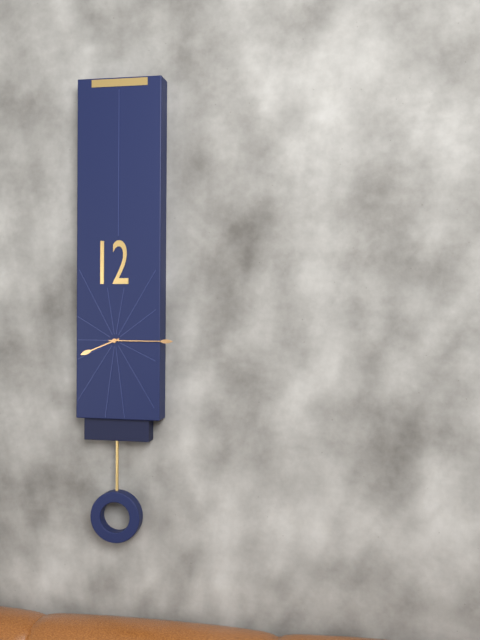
8:15
